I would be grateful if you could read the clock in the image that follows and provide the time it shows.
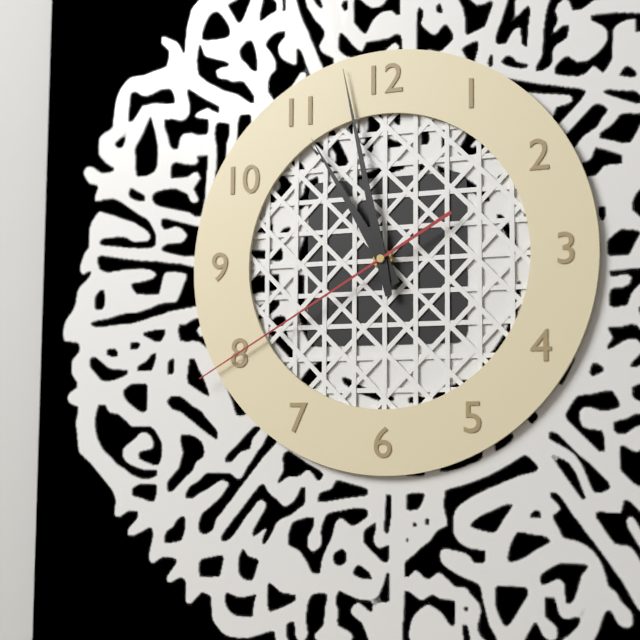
10:58:40
